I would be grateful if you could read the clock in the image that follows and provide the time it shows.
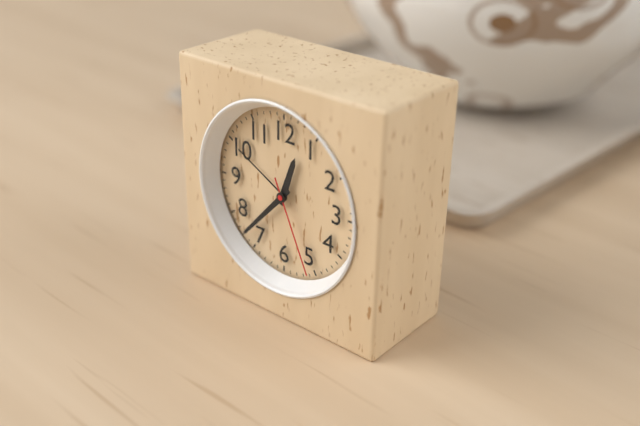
12:37:26
